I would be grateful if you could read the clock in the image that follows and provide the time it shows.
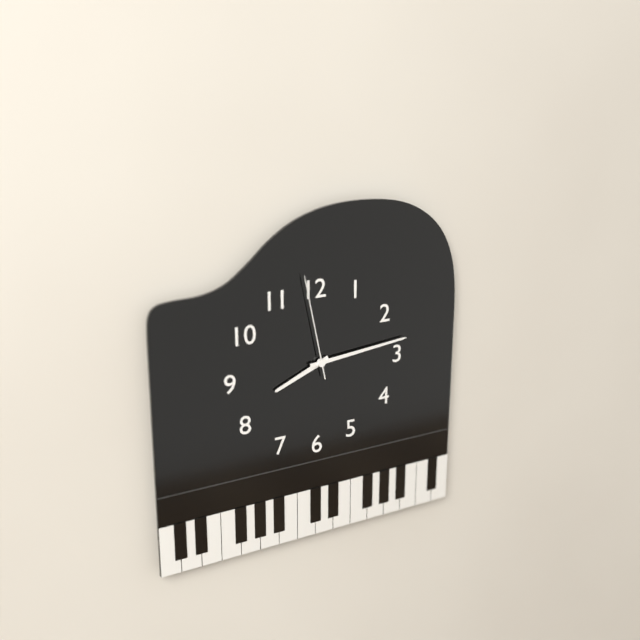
8:14:58
